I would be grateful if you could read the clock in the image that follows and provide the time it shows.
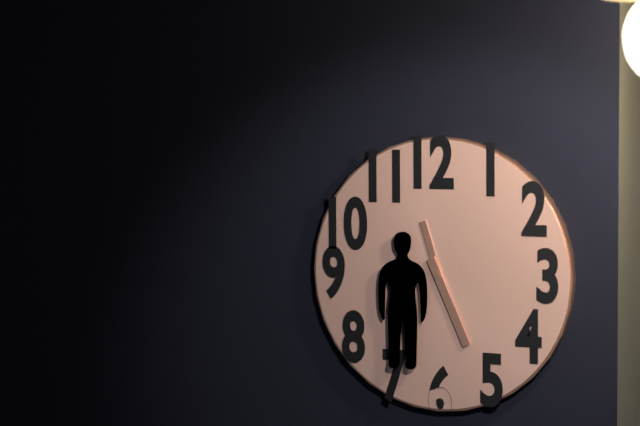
11:26
